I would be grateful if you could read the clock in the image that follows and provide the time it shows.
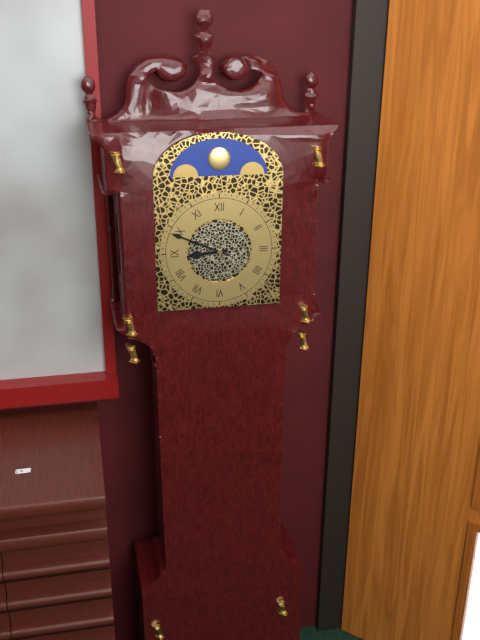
8:49
